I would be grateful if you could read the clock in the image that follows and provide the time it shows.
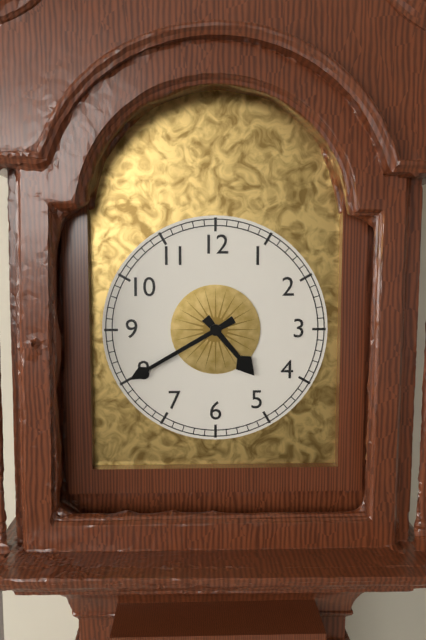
4:40
